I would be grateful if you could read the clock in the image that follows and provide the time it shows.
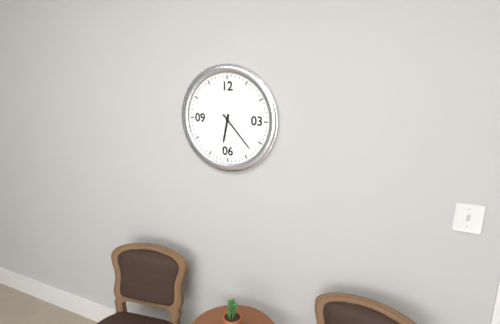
6:23
